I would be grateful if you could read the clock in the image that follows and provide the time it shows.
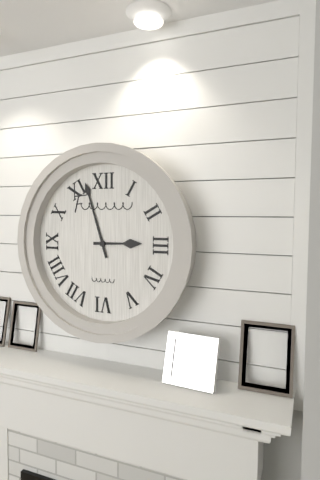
2:57
